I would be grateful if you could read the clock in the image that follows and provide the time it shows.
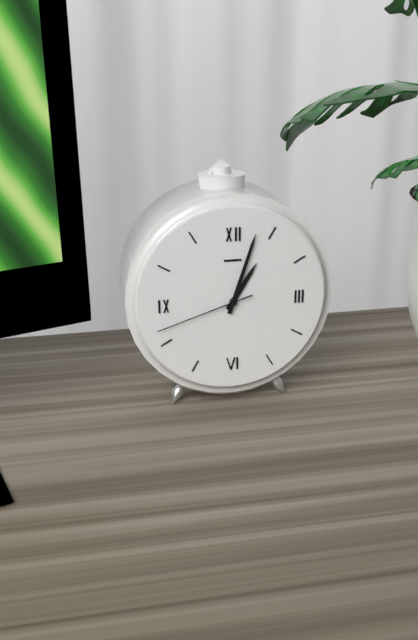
1:03:42
